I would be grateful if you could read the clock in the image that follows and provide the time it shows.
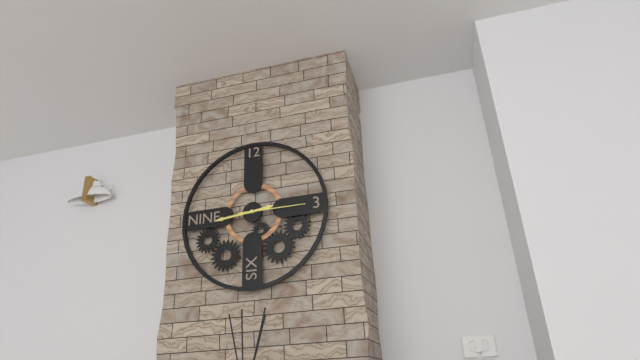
2:44:15
